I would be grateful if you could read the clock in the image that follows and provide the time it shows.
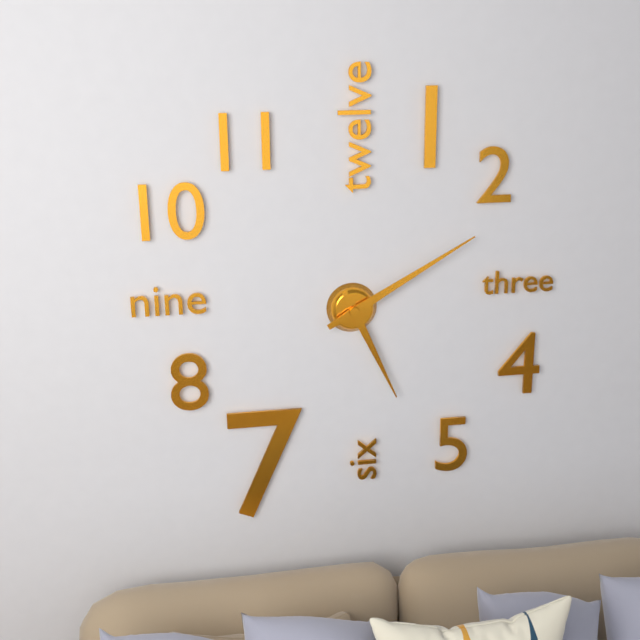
5:10
